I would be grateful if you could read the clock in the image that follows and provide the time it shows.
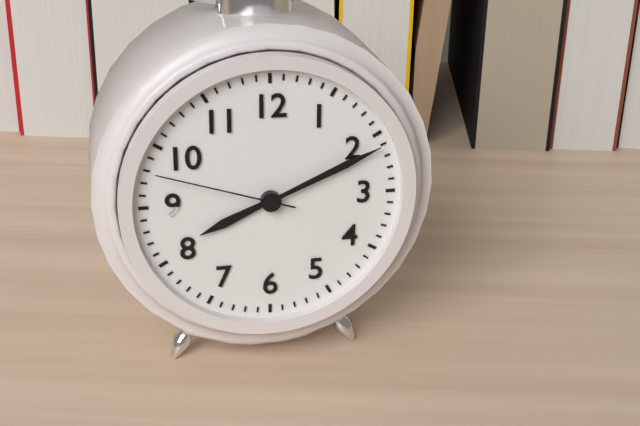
8:11:48
